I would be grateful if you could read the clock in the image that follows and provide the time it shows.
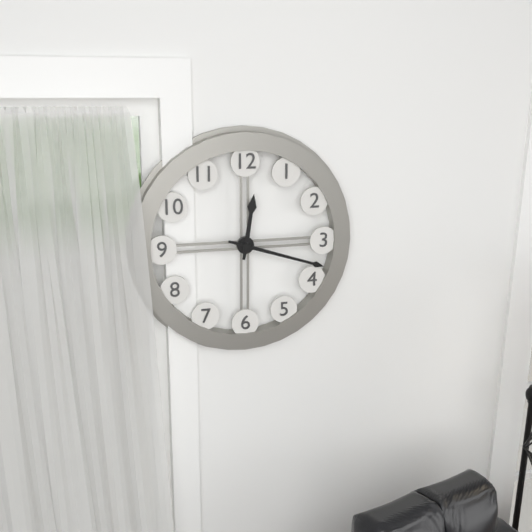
12:18
